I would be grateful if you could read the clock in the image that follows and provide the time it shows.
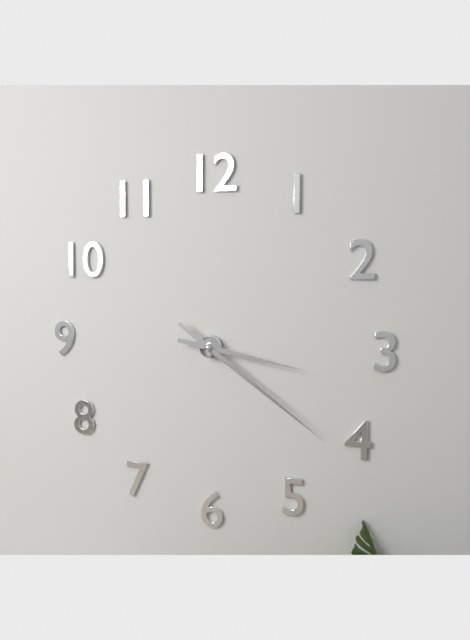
3:21
